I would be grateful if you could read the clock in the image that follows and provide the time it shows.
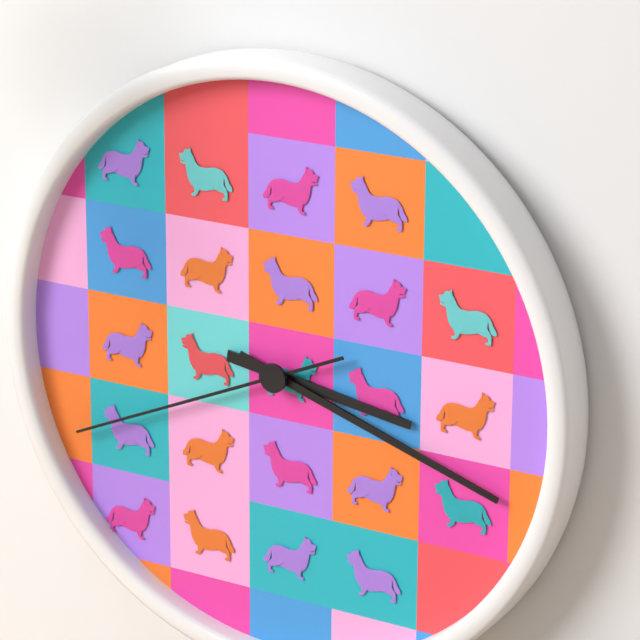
3:18:41
